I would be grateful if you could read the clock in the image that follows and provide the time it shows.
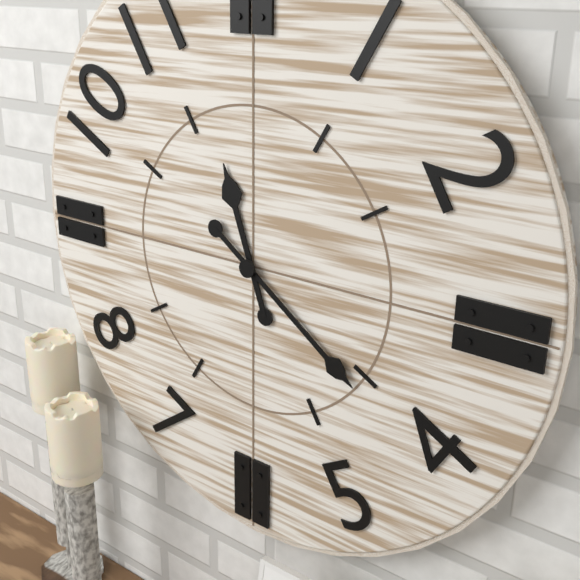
11:21
